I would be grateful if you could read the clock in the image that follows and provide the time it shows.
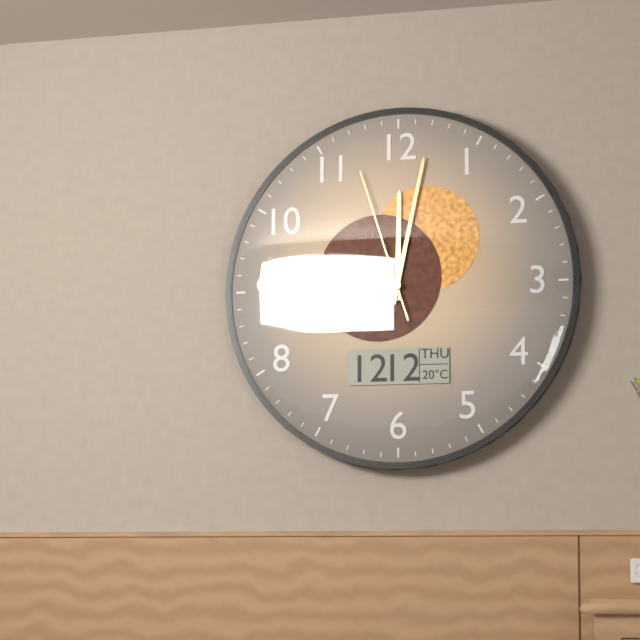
12:02:57
